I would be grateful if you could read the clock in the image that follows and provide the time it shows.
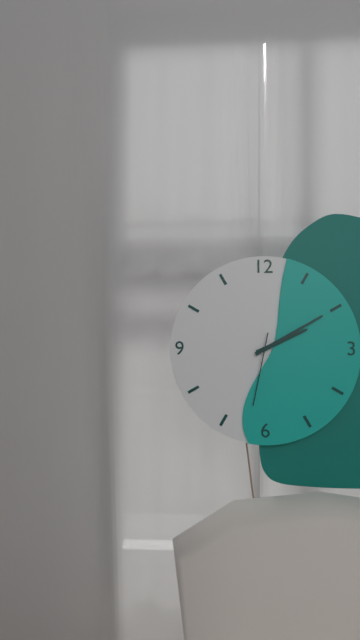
2:10:32
